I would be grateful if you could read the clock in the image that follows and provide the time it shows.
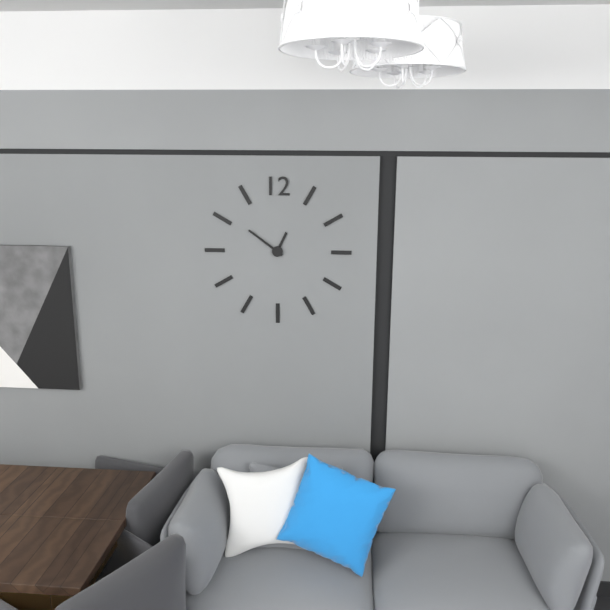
12:51
